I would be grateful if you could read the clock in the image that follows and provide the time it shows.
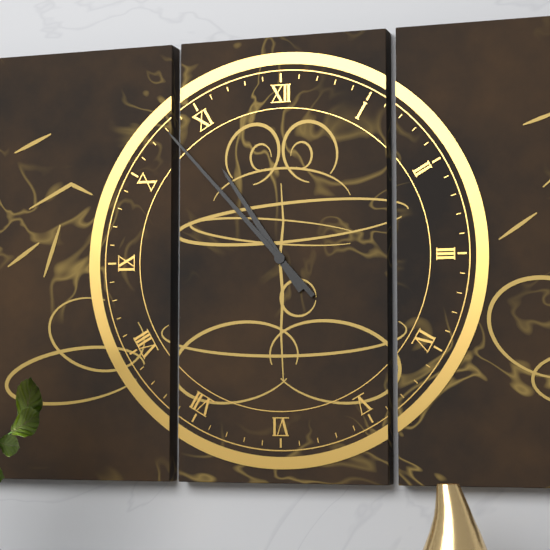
10:53
